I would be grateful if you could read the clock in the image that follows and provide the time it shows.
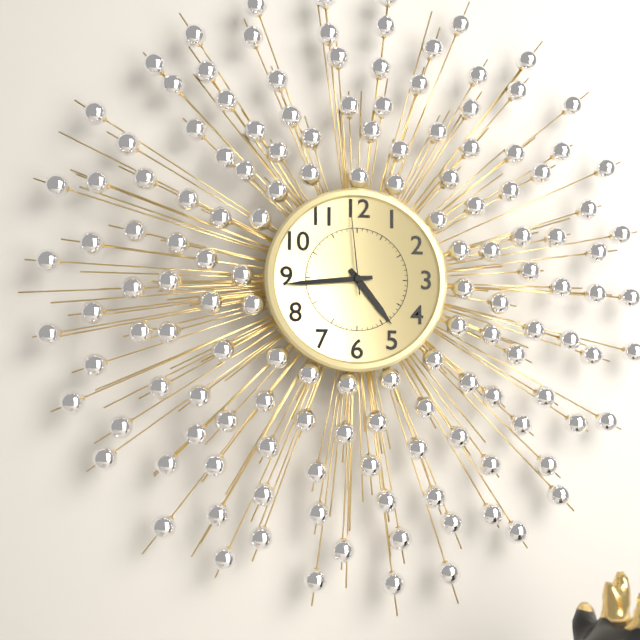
4:44:59
